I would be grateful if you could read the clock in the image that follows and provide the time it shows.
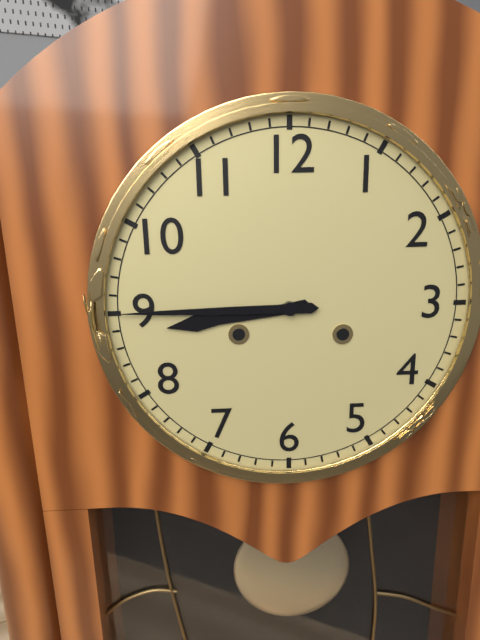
8:45
